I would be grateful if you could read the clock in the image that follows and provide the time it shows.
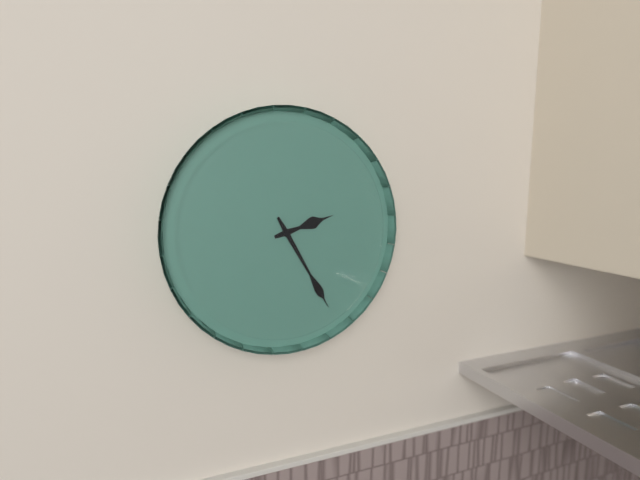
2:25
